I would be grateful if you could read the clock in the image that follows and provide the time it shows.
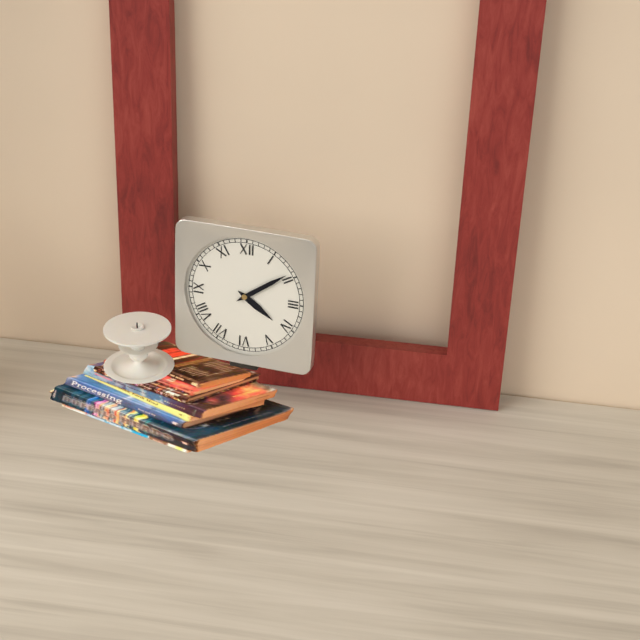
4:09
